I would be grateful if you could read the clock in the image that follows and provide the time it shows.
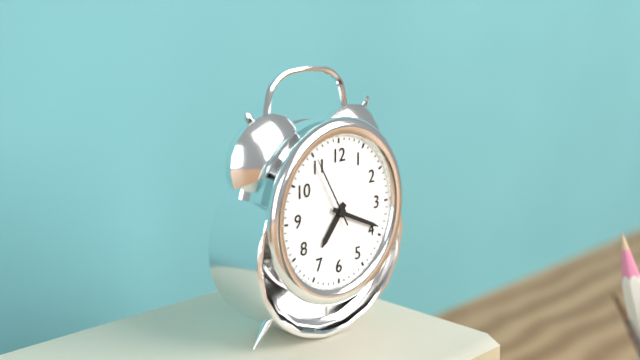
7:19:55
